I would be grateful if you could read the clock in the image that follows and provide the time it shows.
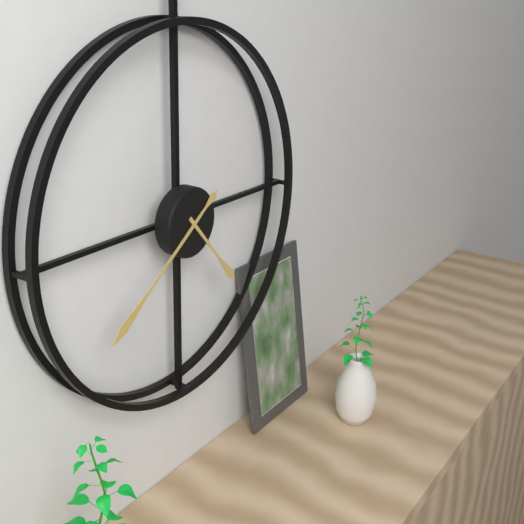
4:39
